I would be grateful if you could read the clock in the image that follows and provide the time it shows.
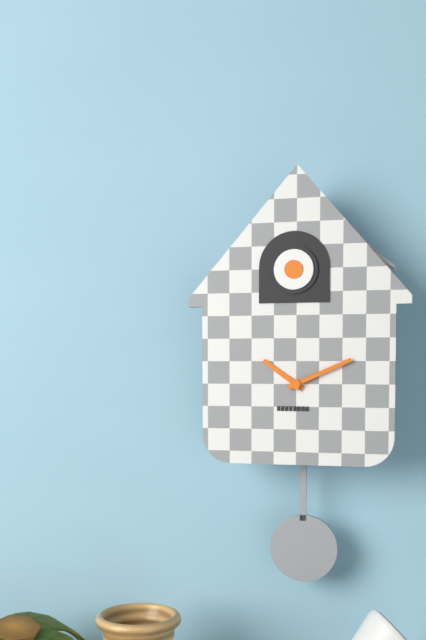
10:11
